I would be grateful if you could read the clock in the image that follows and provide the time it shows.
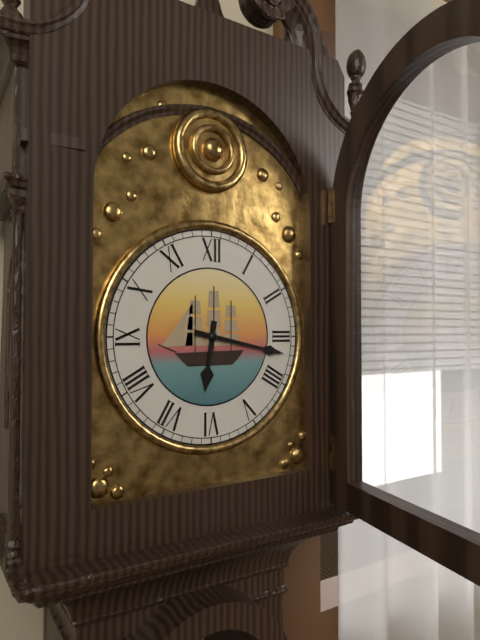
6:17
